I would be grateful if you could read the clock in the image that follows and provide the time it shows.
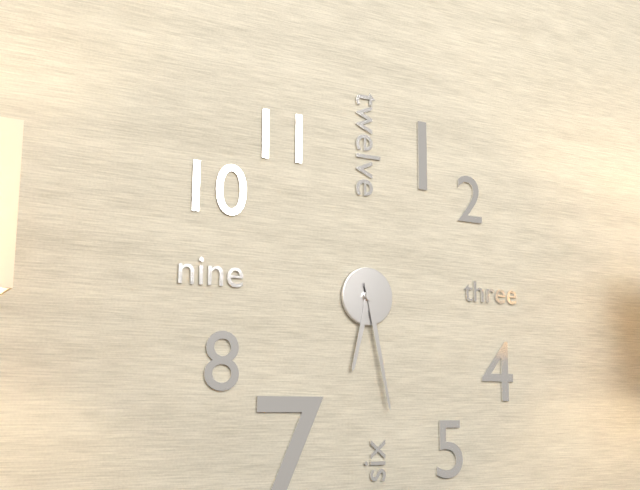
6:28
